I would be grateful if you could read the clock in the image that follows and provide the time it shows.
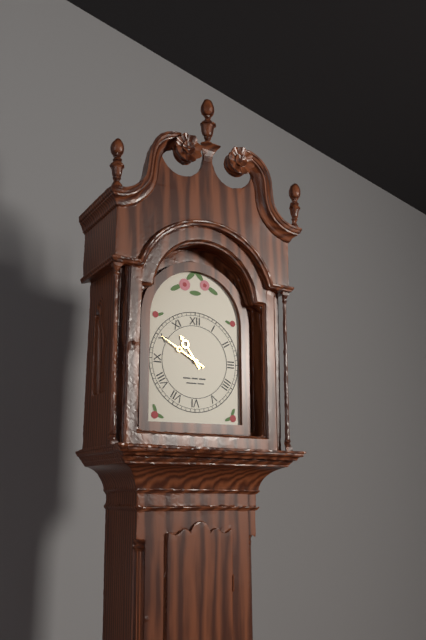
10:50
